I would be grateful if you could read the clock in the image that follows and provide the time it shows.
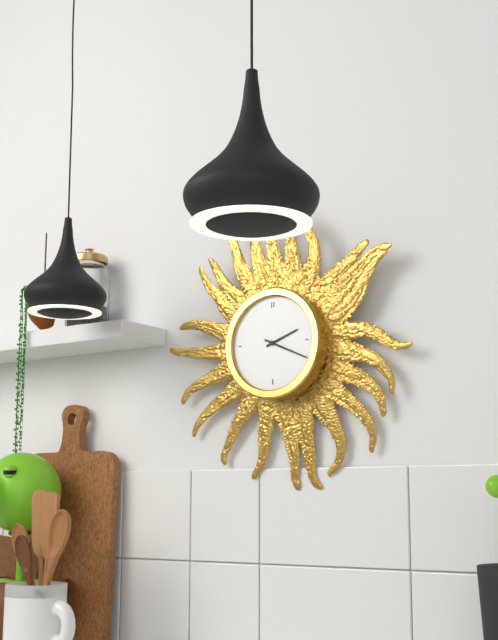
2:19
